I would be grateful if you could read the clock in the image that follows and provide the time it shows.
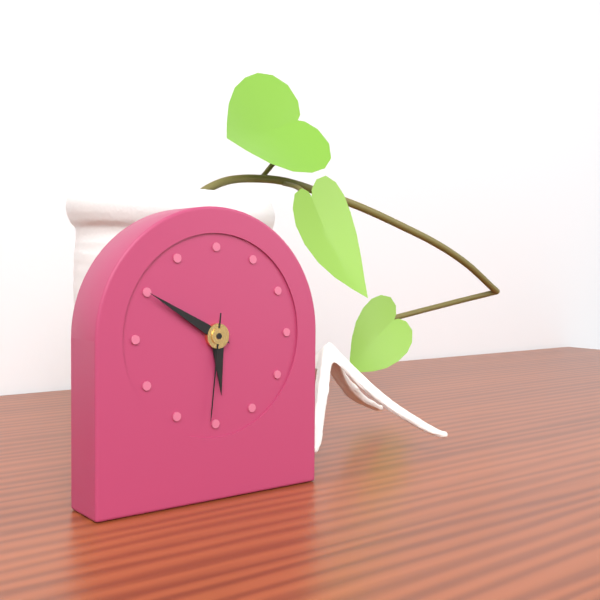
5:50:31
